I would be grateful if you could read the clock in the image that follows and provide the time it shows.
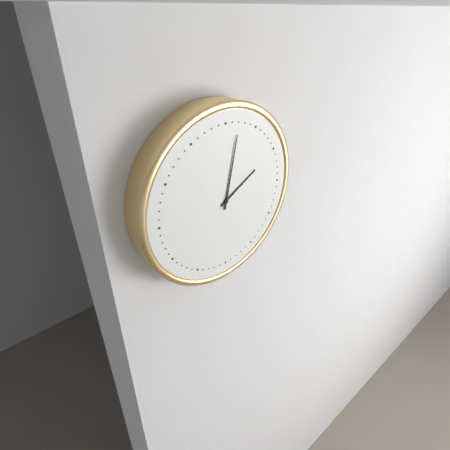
2:02
